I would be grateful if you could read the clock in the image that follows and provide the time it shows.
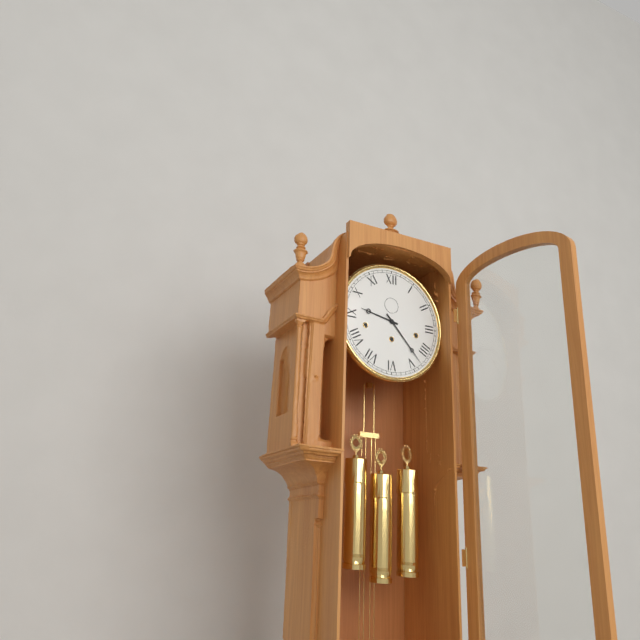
9:23
